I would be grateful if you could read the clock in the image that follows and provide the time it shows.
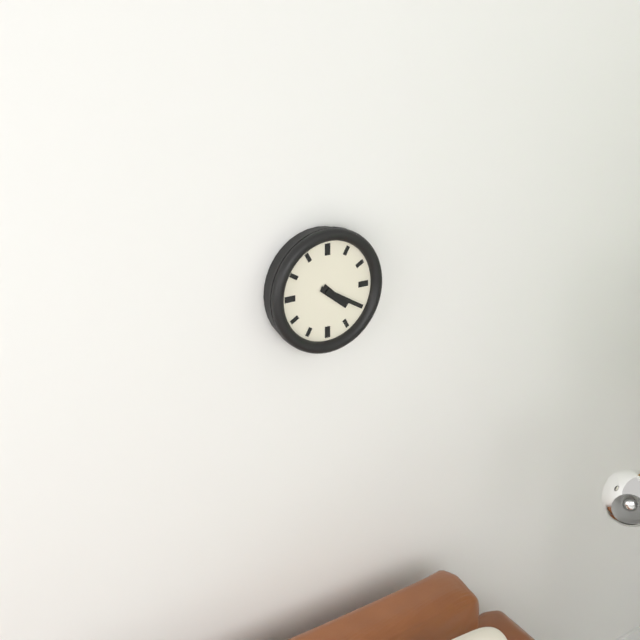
4:20
